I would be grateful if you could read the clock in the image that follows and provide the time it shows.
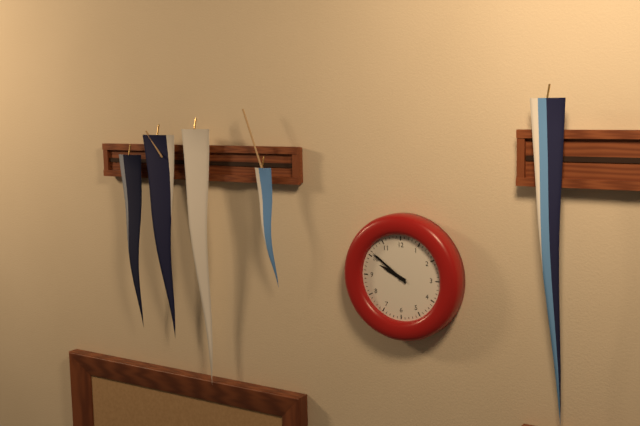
9:51
